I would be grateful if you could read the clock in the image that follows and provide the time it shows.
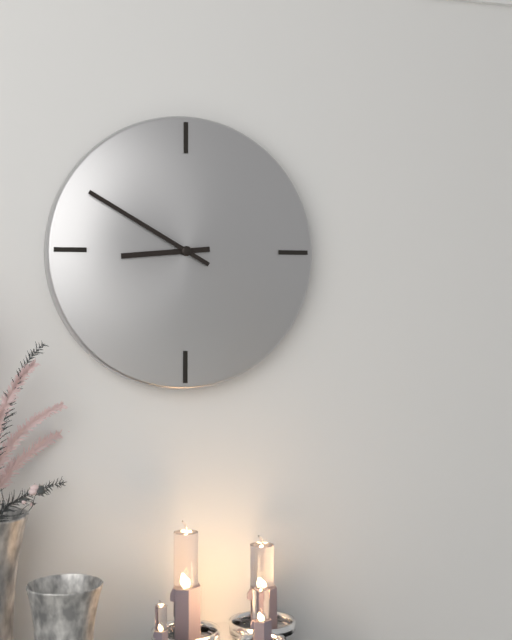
8:50
